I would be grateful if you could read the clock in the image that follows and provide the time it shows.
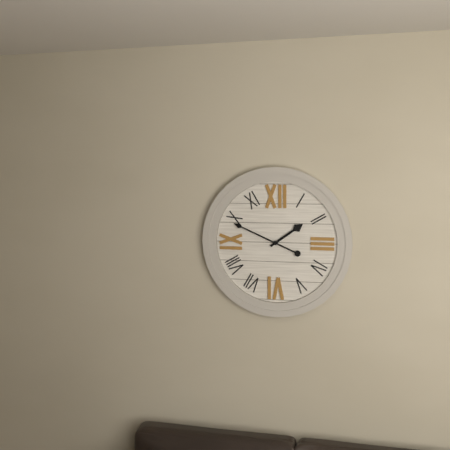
1:49
